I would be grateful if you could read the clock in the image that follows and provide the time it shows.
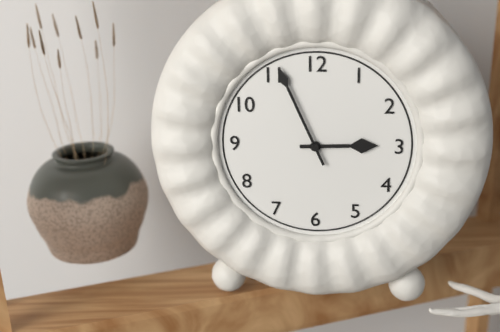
2:56
